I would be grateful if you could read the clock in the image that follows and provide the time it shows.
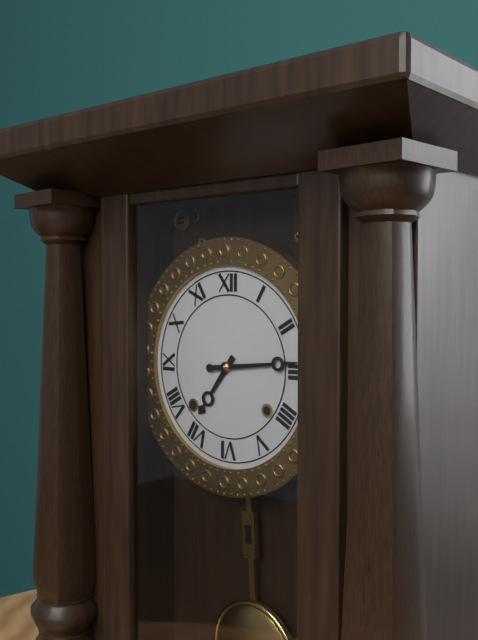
7:14
